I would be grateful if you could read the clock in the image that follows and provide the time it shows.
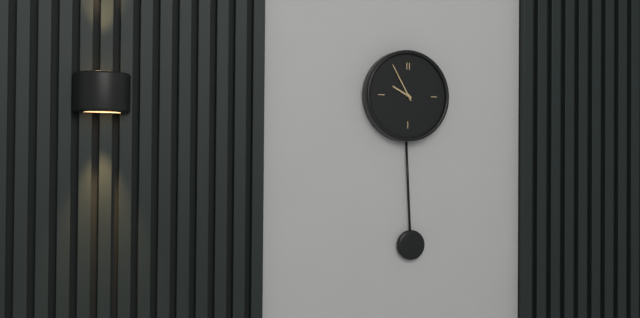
9:55
